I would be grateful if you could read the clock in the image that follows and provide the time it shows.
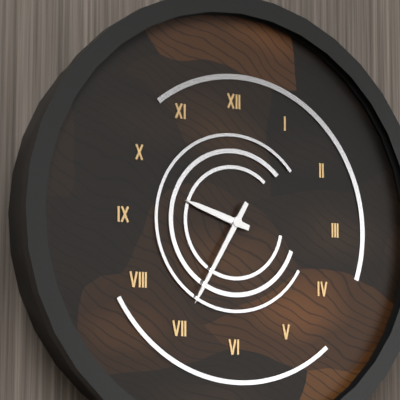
9:35
